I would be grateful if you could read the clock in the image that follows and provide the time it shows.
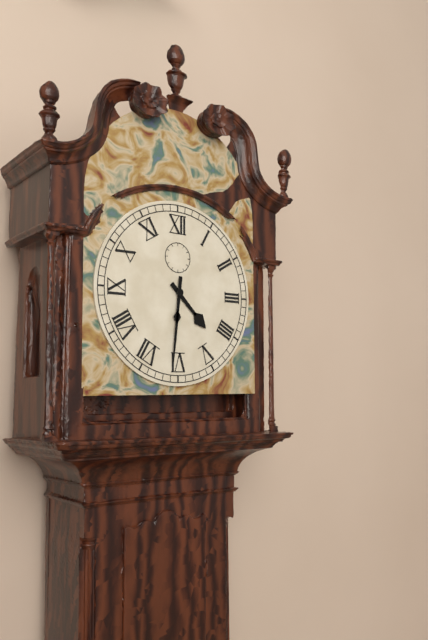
4:31
